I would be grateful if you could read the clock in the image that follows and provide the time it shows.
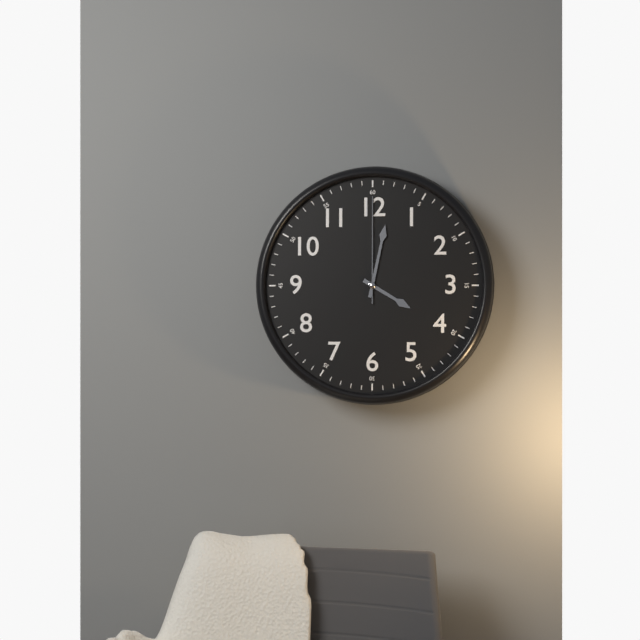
4:02:00
